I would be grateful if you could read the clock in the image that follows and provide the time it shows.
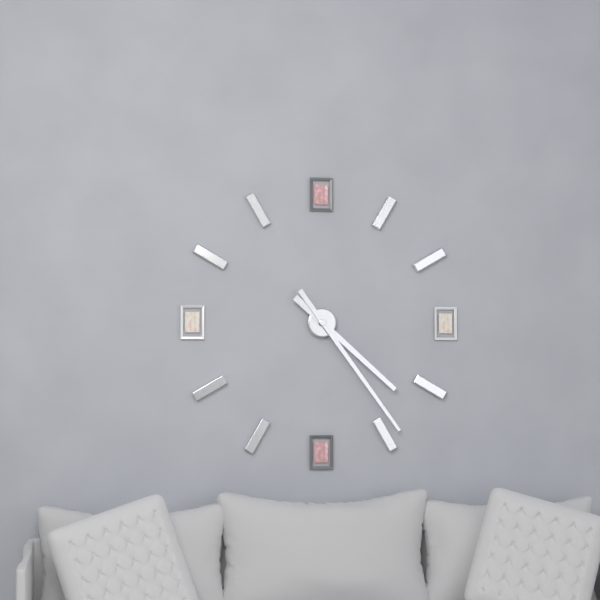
4:24
